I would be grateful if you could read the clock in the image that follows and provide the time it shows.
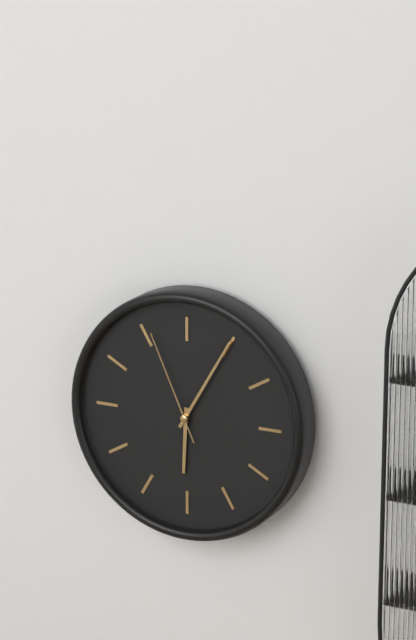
6:05:56
